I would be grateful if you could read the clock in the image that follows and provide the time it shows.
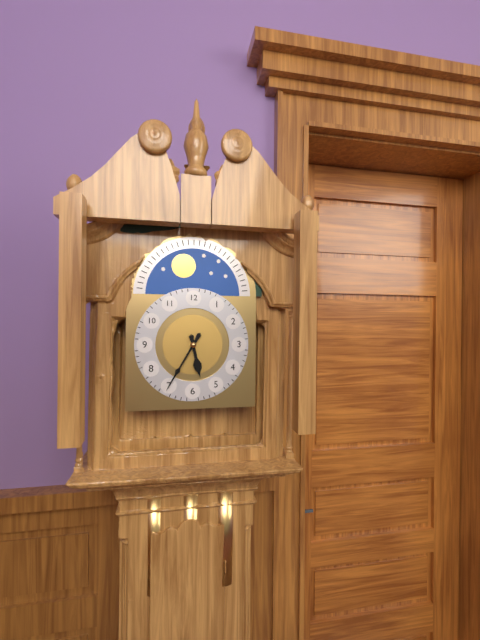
5:35
